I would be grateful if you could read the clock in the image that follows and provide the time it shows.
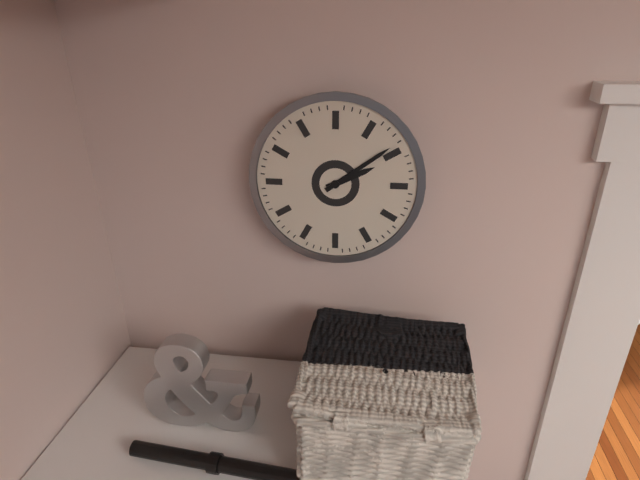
2:09
